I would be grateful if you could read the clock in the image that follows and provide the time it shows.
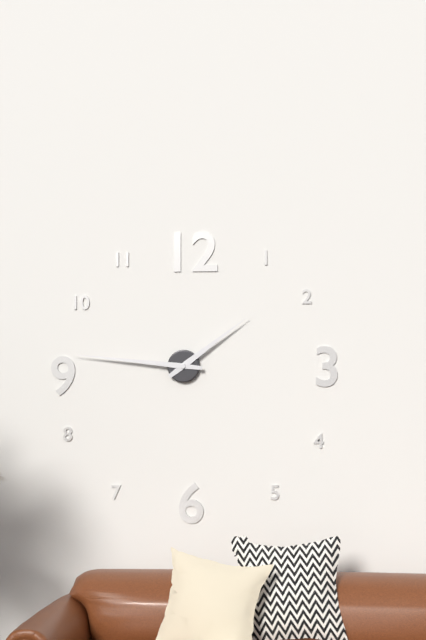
1:46
